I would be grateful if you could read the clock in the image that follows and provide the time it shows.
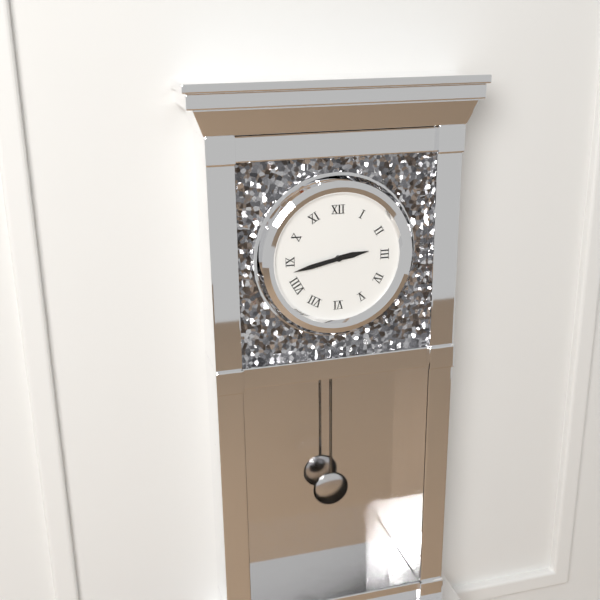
2:43
